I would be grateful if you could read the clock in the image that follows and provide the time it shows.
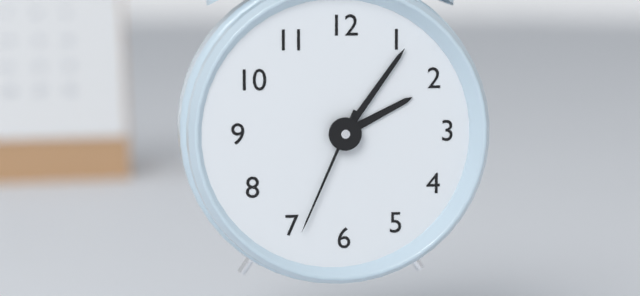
2:06:34
